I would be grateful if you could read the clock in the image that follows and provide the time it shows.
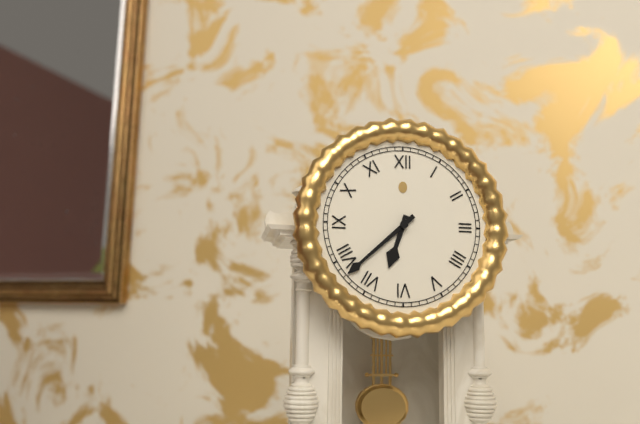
6:38
